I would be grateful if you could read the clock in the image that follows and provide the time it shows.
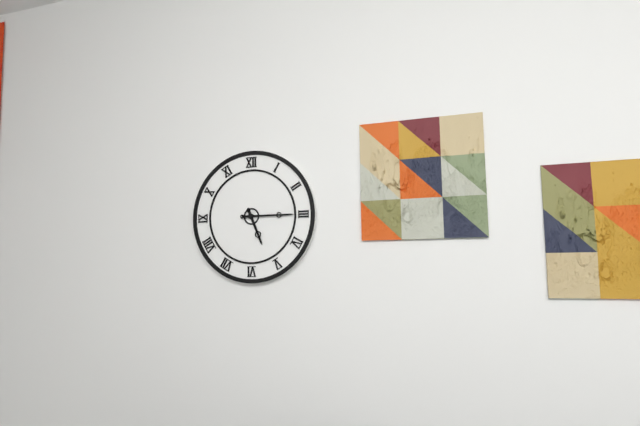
5:15
